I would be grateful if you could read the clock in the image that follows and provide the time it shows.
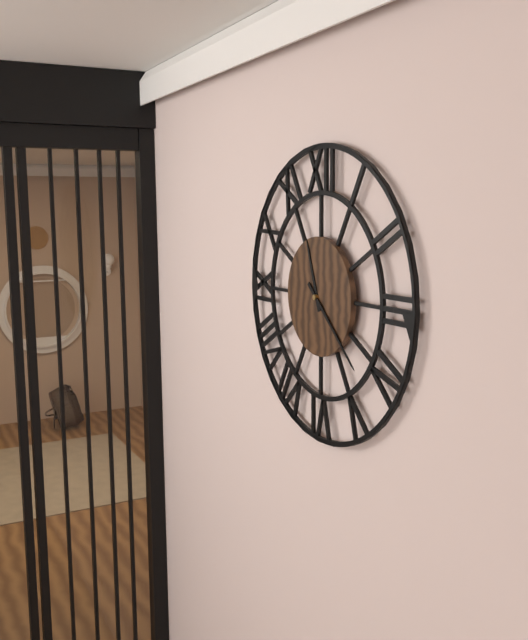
11:22
